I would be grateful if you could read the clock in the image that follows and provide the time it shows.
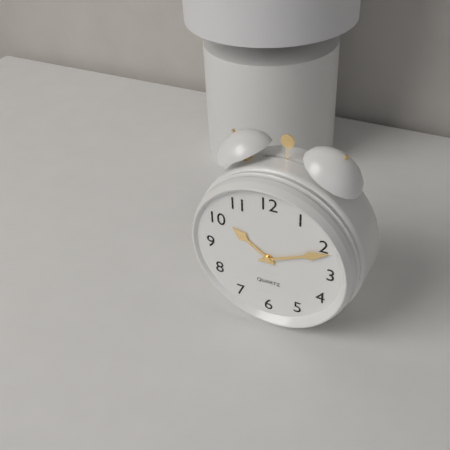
10:11
